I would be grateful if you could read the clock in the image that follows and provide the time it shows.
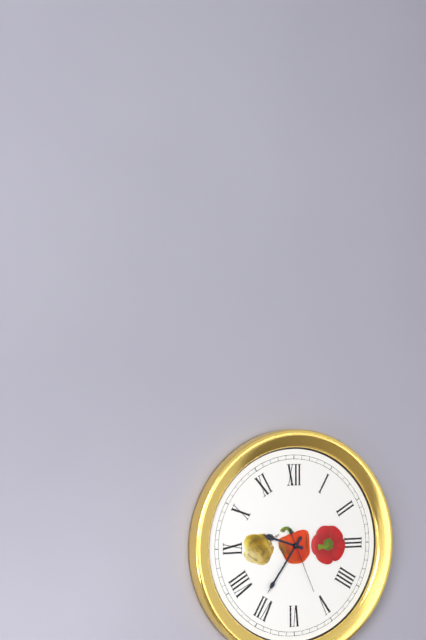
9:36:26
